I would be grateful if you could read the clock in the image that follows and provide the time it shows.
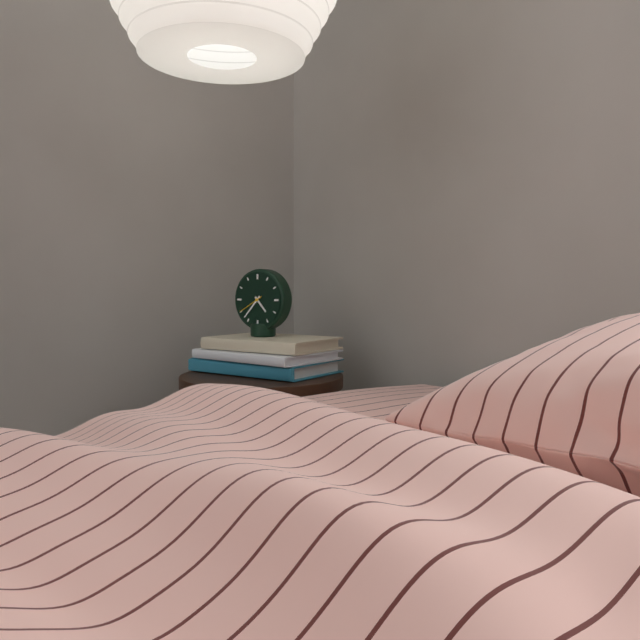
4:37
